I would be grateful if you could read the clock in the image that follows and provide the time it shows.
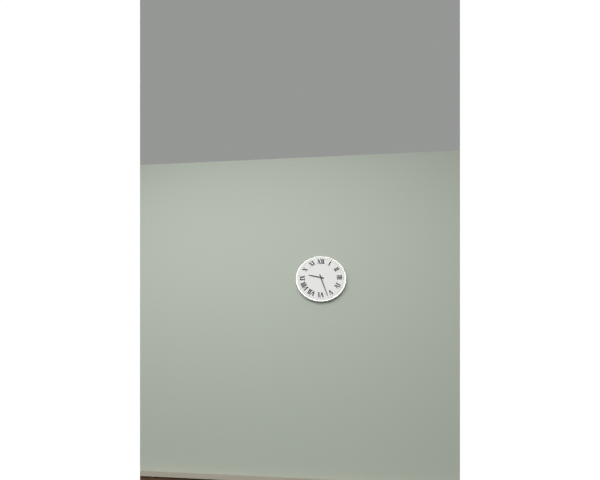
9:27
